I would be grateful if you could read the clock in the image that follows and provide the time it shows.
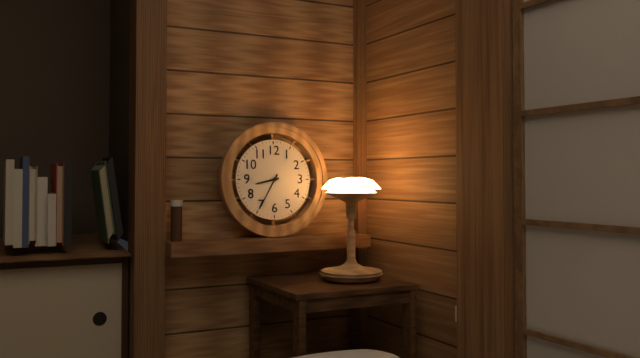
8:35
